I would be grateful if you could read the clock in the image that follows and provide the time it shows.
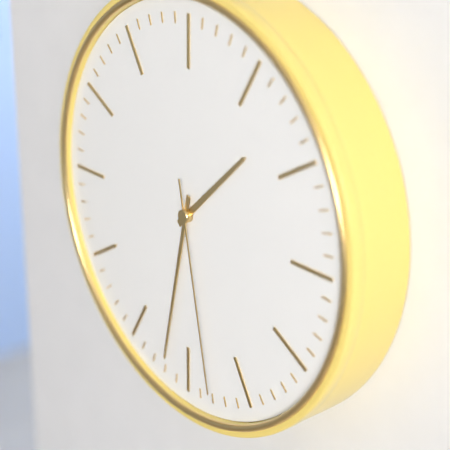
1:32:28
